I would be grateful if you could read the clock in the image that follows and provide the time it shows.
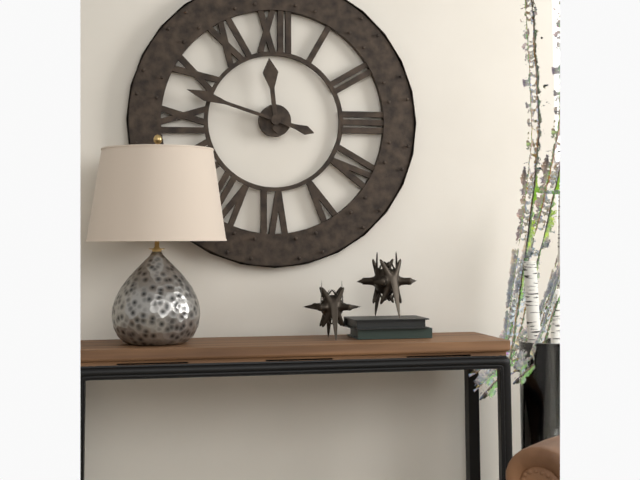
11:48
